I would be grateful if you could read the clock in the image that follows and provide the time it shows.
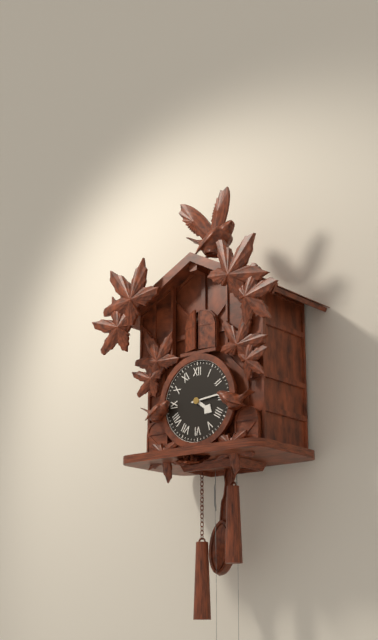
4:14
